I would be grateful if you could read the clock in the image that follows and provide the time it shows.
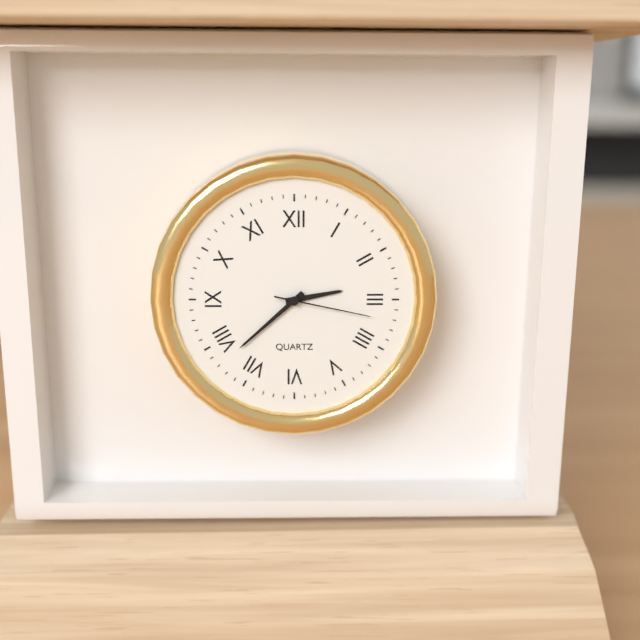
2:38:17
